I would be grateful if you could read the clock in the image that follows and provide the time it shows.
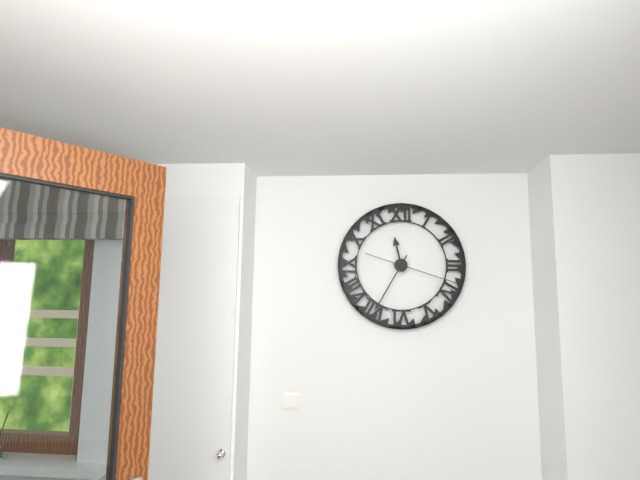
11:35:18
